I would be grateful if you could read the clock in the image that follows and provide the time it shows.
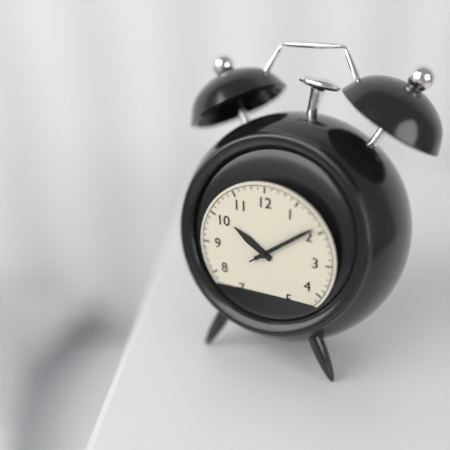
10:09:09
